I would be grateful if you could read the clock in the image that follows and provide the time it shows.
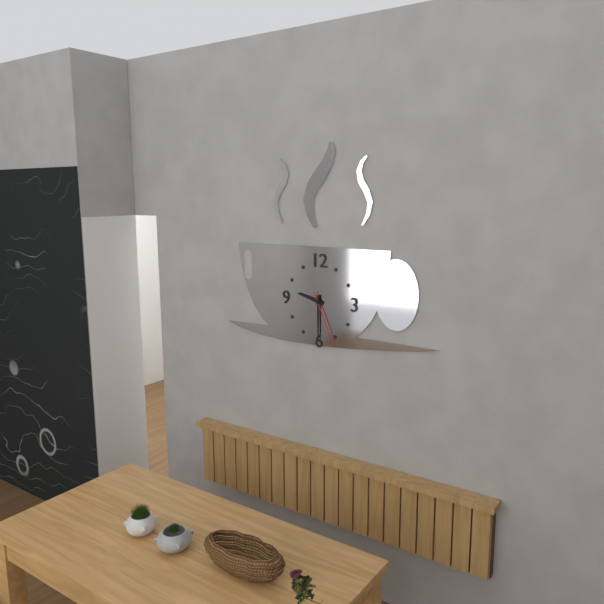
9:30:26
